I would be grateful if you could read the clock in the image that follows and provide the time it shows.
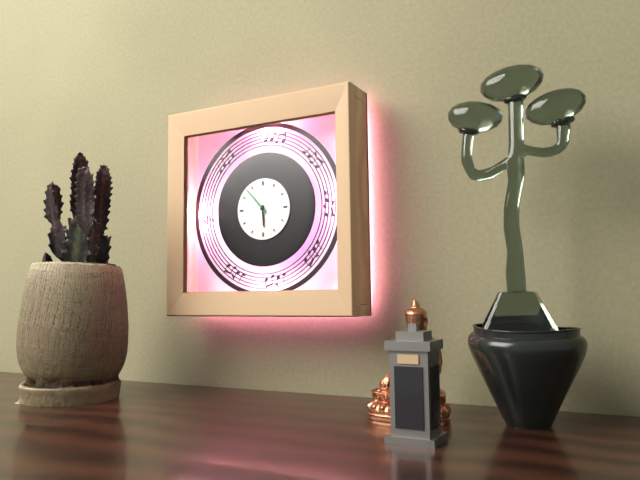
5:53
